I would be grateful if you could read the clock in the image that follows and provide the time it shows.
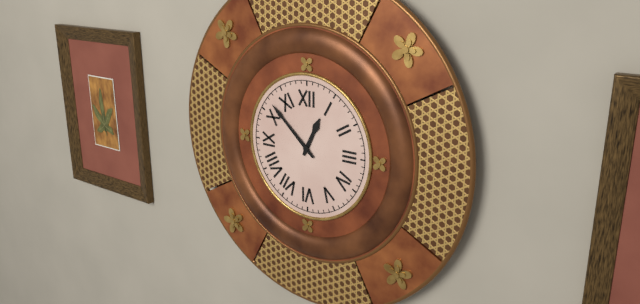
12:52
